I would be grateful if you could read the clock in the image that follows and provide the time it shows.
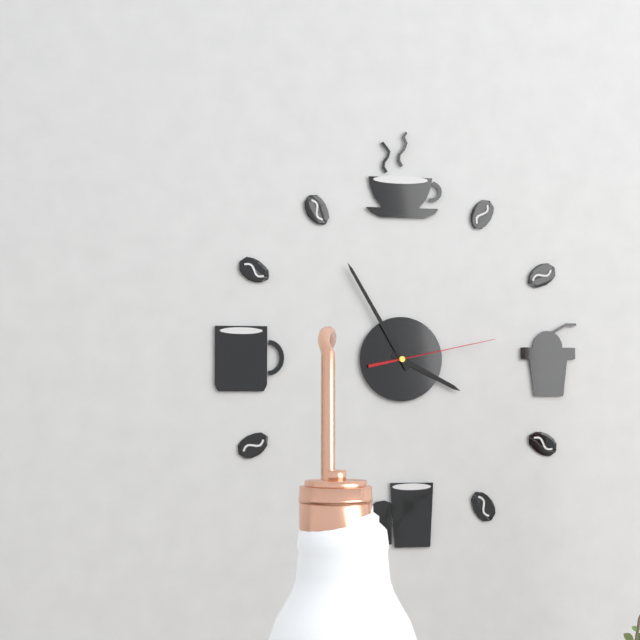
3:55:13
